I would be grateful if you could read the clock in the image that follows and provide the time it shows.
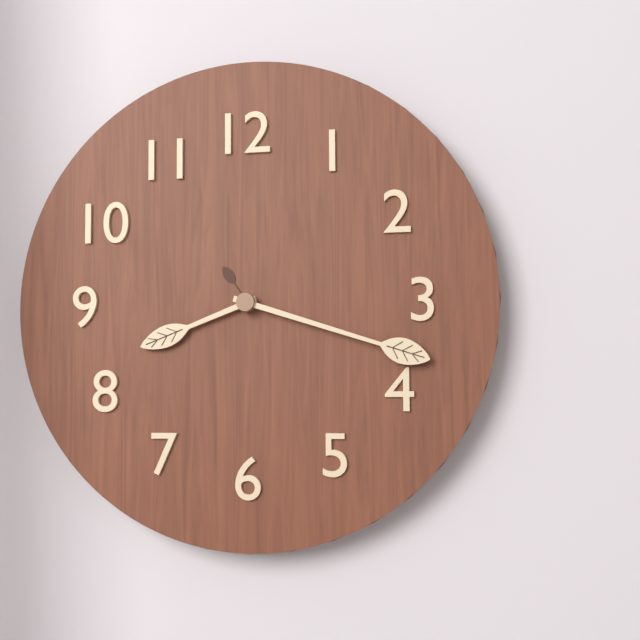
8:18
